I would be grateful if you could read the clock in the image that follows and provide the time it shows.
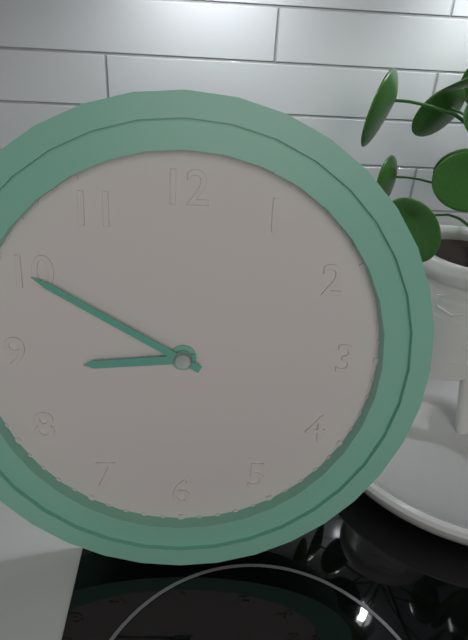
8:50
